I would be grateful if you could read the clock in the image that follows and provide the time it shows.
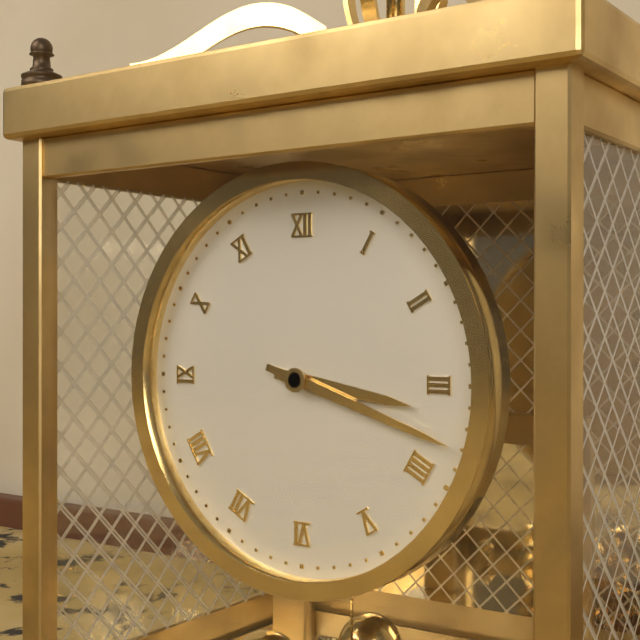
3:18
